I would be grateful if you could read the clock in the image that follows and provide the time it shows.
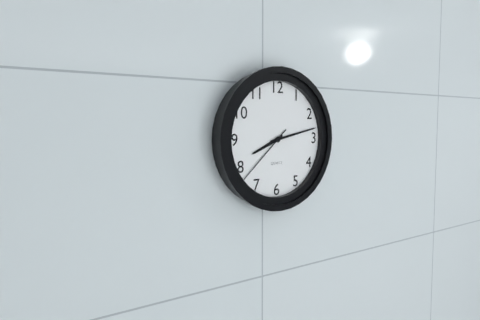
8:13:38
